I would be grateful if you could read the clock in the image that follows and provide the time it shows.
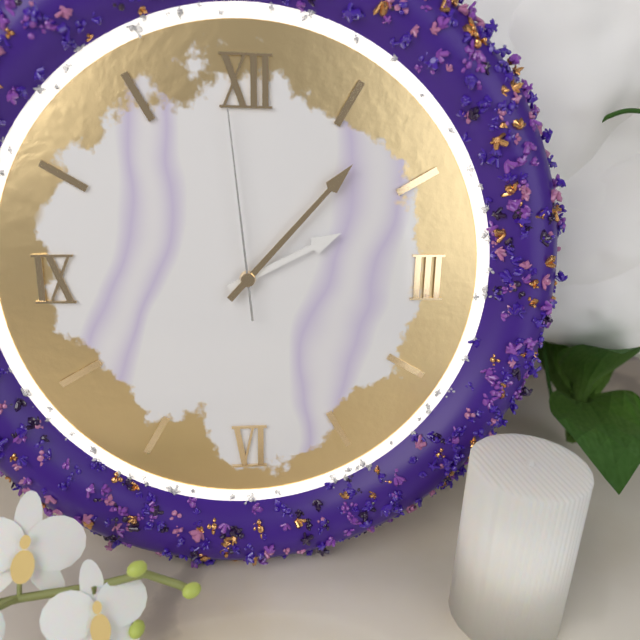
2:07:59
